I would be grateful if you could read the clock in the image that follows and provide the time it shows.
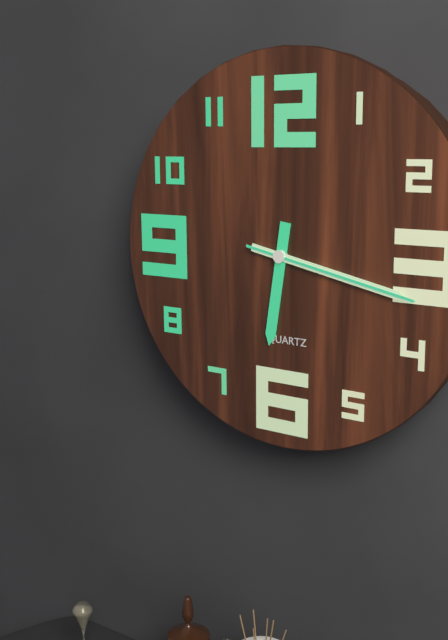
6:17:17
